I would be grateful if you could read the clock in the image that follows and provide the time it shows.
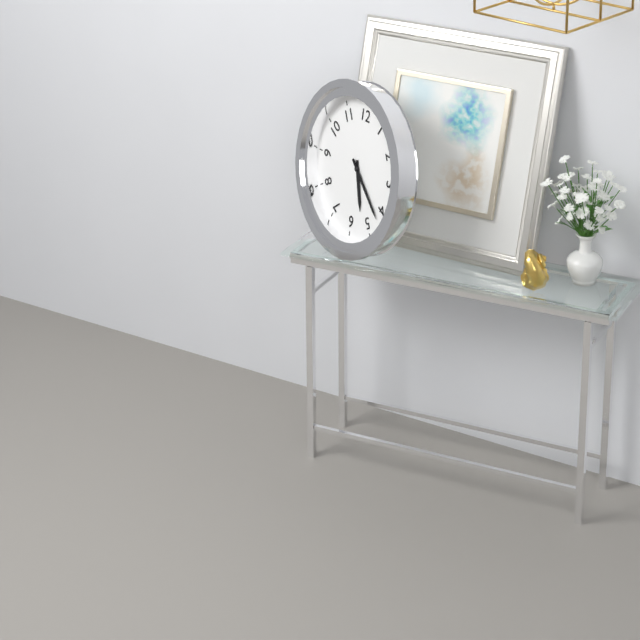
5:22
